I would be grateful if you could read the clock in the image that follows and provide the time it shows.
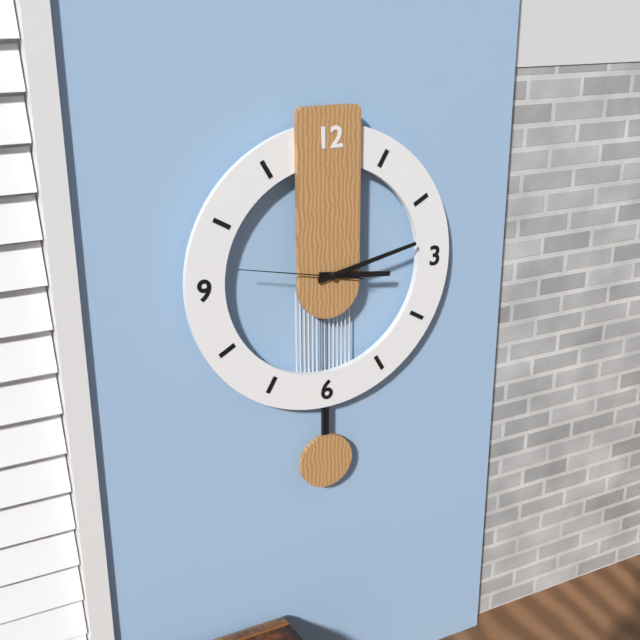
3:13:47
